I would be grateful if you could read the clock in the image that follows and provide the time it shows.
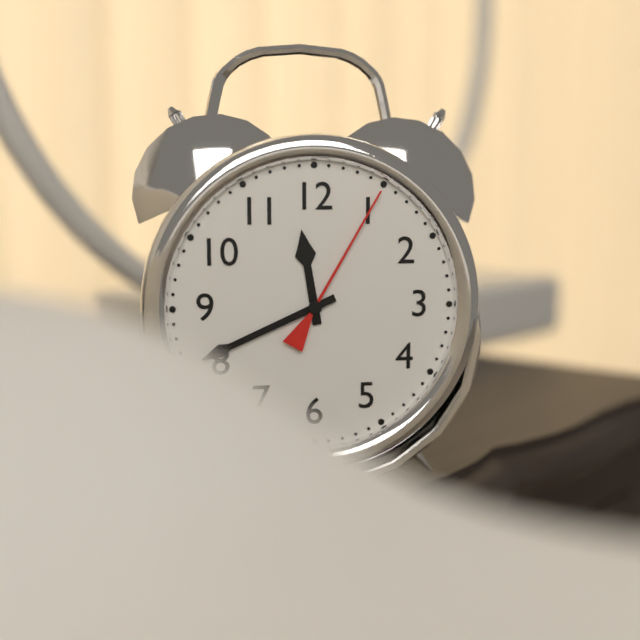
11:41:05
